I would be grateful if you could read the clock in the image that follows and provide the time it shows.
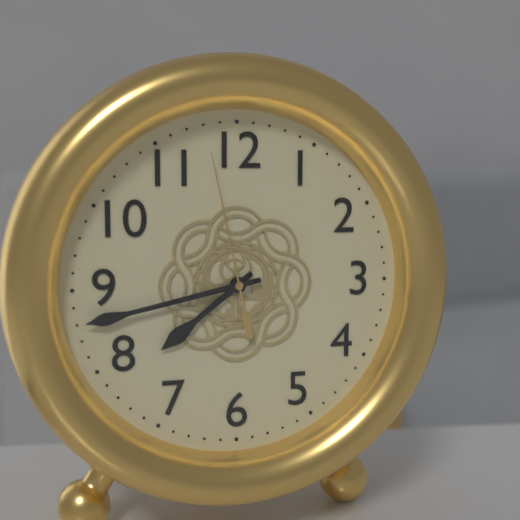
7:43:58
